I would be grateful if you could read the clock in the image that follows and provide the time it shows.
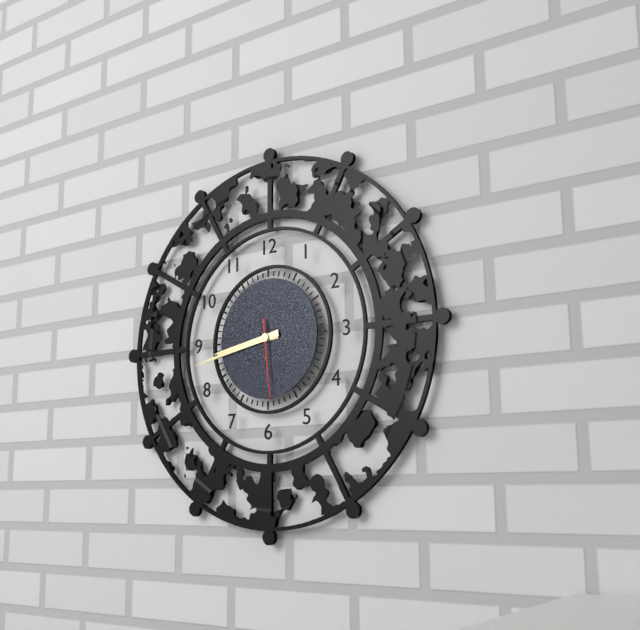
8:43:29
